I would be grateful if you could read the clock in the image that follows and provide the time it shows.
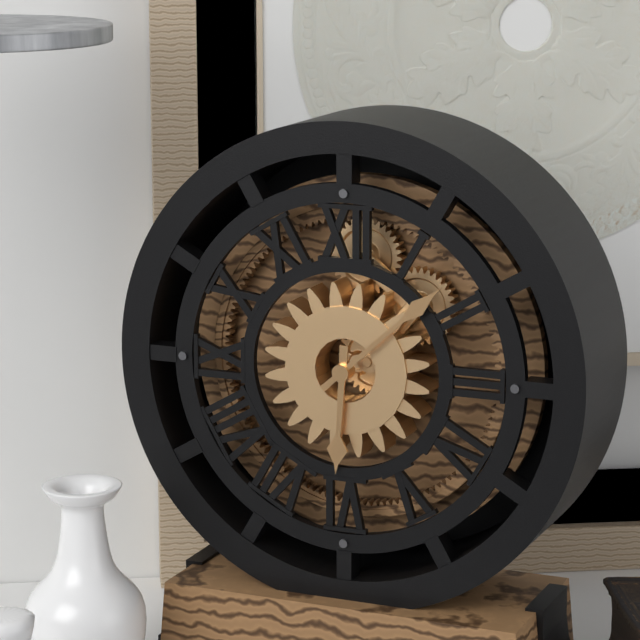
6:08
